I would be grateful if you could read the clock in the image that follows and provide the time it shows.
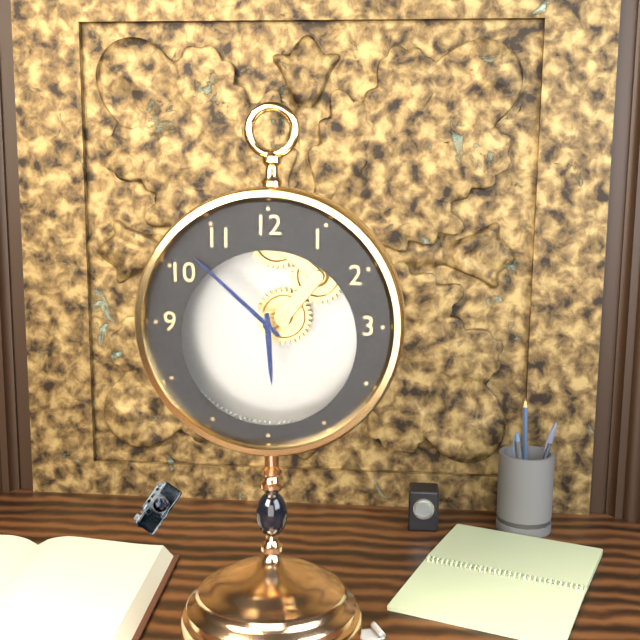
5:52
